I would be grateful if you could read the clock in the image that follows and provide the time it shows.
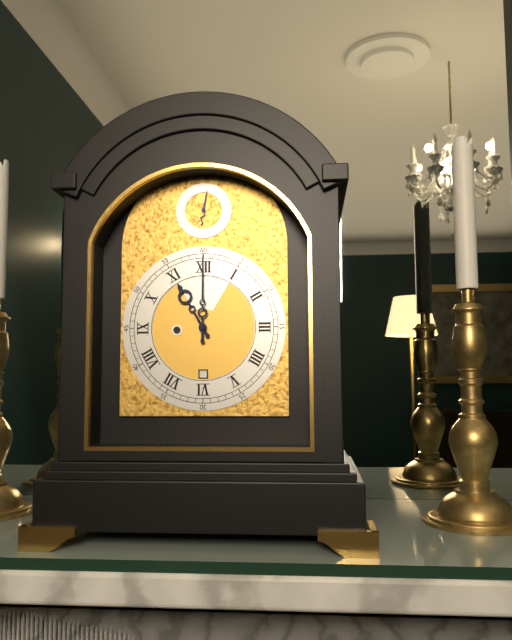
11:00
